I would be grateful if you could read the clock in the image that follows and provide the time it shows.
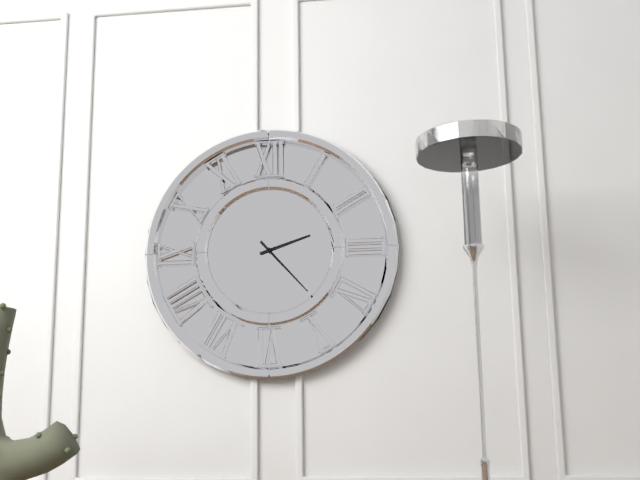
2:23
